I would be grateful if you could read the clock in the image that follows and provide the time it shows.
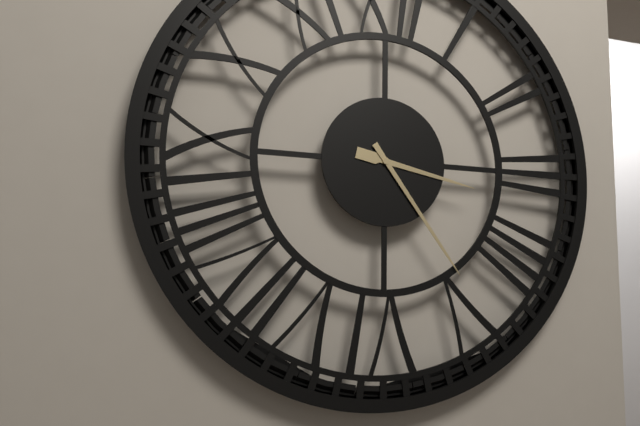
3:24
